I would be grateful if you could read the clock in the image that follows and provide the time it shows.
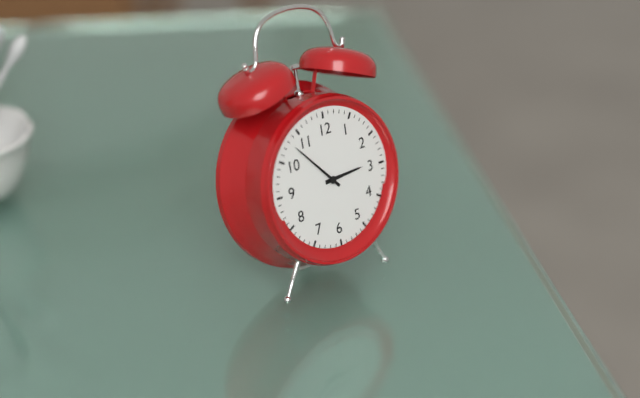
2:53
